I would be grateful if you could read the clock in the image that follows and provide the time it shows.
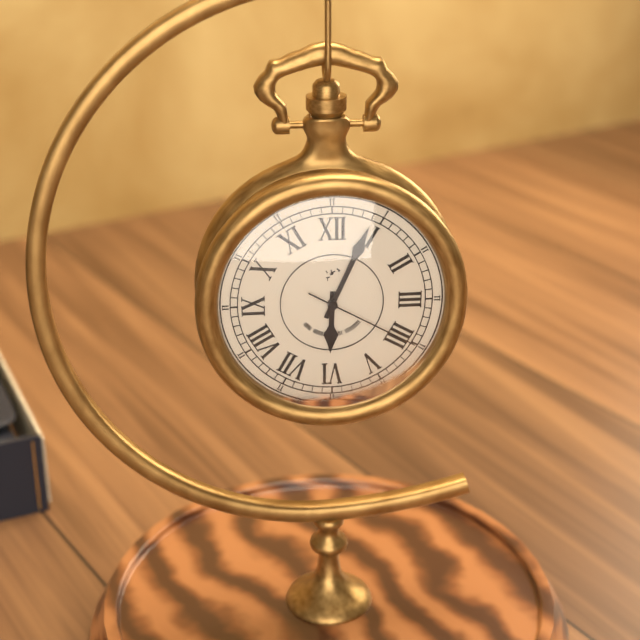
6:04:20
